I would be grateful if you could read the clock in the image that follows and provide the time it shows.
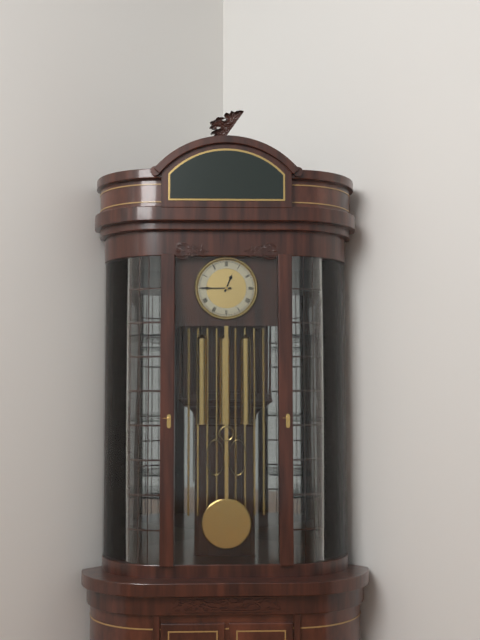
12:45
